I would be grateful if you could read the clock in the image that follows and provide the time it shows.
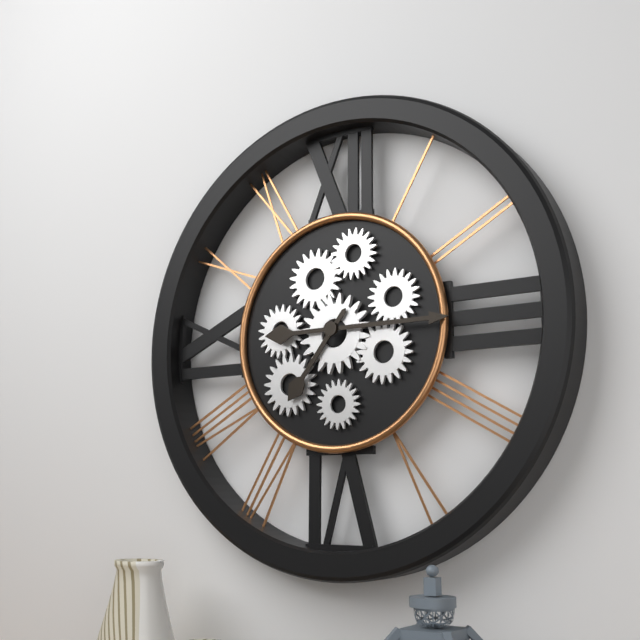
7:15
